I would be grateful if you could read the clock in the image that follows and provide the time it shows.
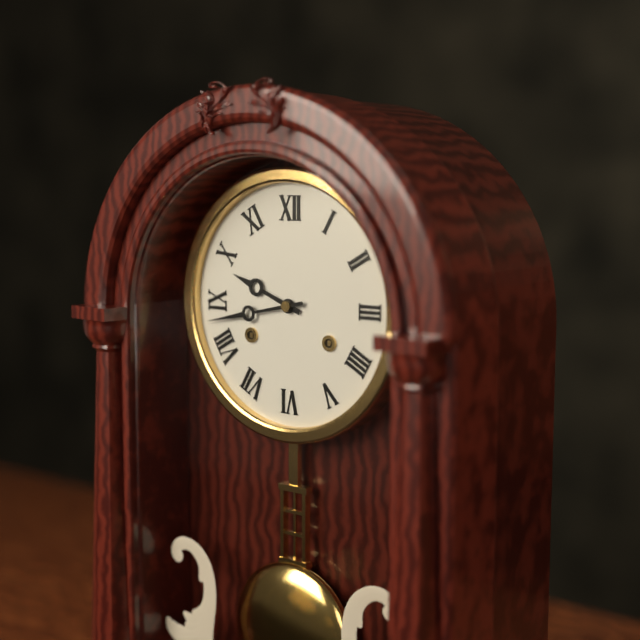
9:43
